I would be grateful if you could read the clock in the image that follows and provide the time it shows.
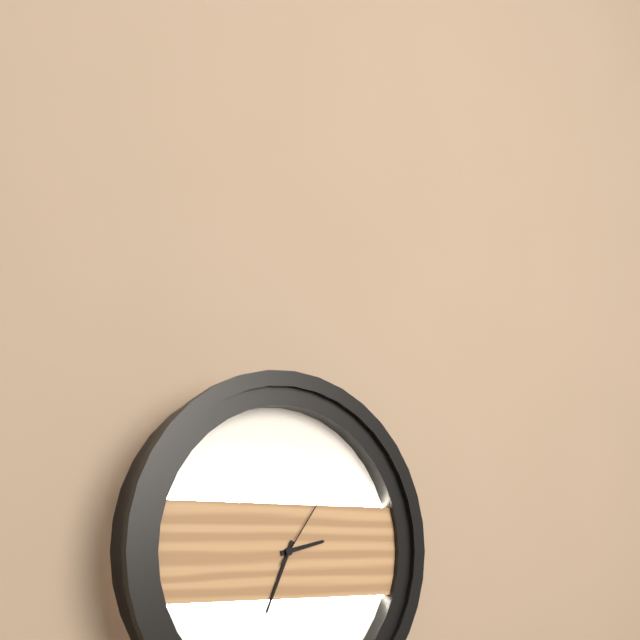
2:34:06
